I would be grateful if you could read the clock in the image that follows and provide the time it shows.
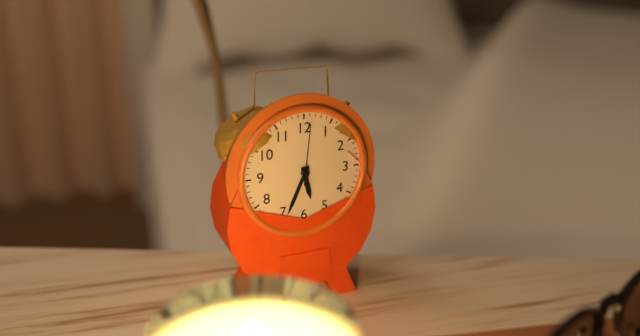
5:34:01
